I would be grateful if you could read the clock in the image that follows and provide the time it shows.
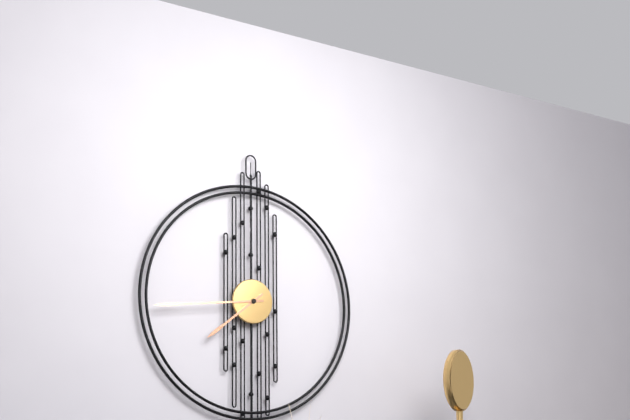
7:44
